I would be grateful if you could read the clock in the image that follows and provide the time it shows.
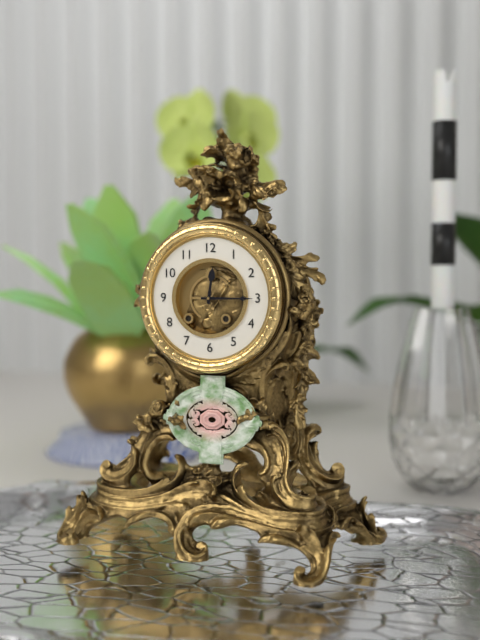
12:15
